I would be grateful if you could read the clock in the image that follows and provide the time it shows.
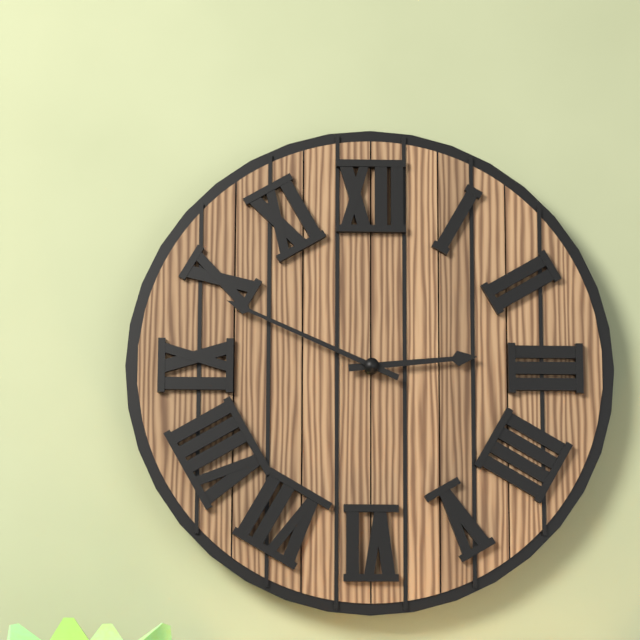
2:49
